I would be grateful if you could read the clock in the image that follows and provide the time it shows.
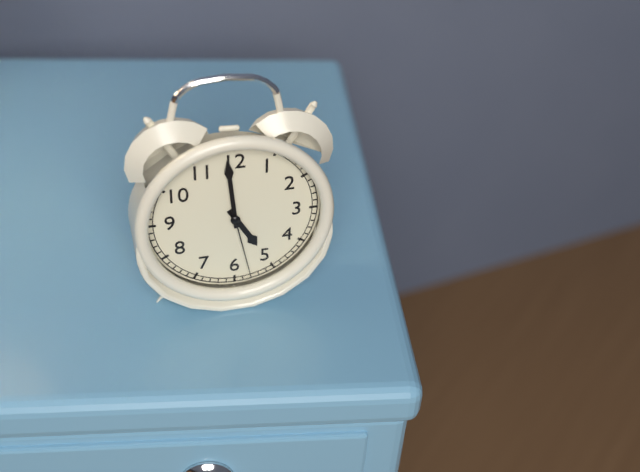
4:59:28
